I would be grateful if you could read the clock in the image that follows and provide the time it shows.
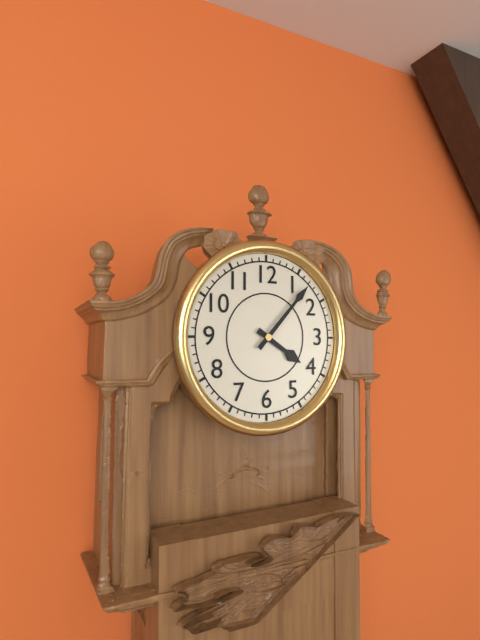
4:07
